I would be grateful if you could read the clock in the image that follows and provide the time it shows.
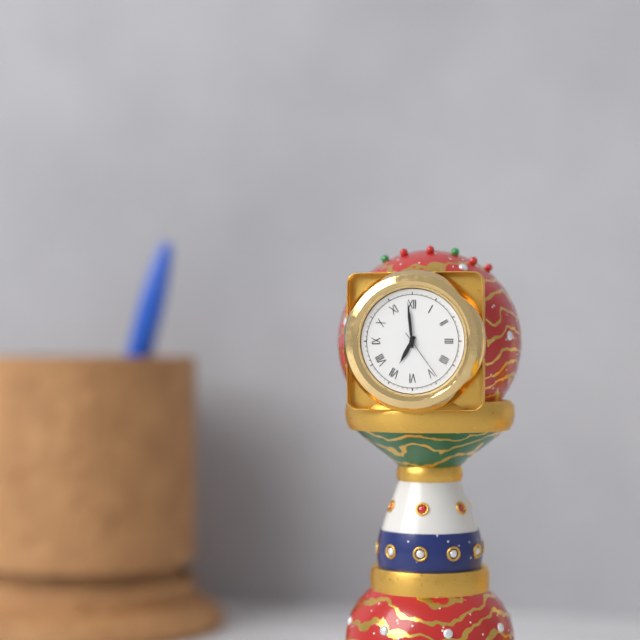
6:59:24
